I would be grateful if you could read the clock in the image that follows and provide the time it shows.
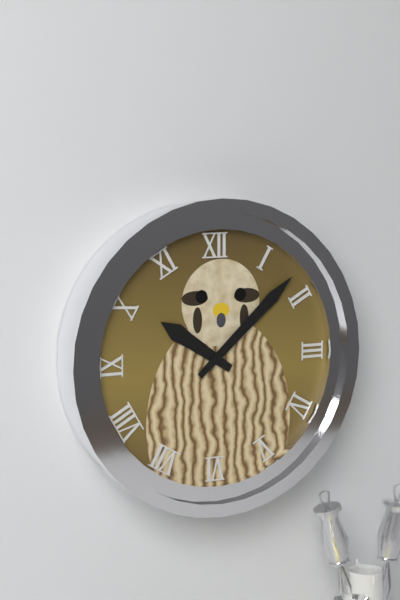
10:08
